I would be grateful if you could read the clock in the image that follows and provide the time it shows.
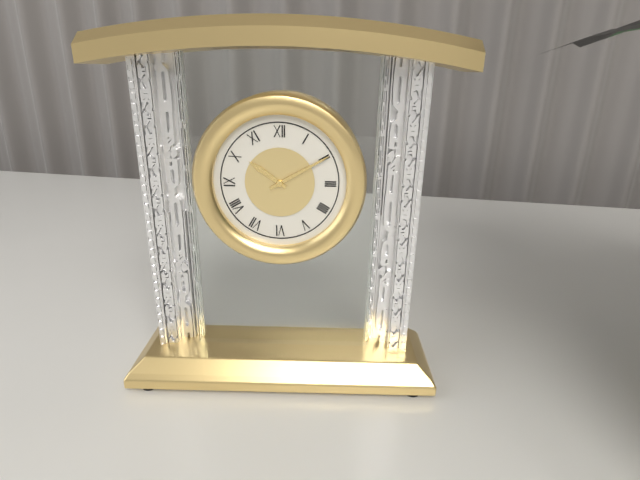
10:10
